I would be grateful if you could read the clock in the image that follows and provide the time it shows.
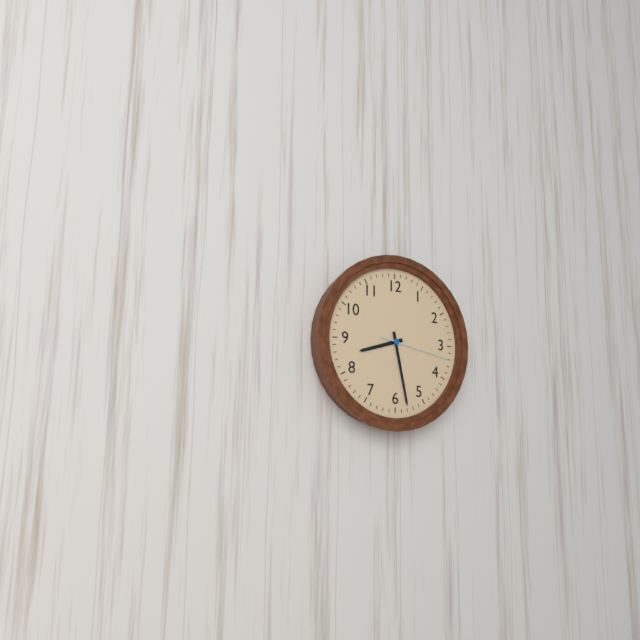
8:28:17
